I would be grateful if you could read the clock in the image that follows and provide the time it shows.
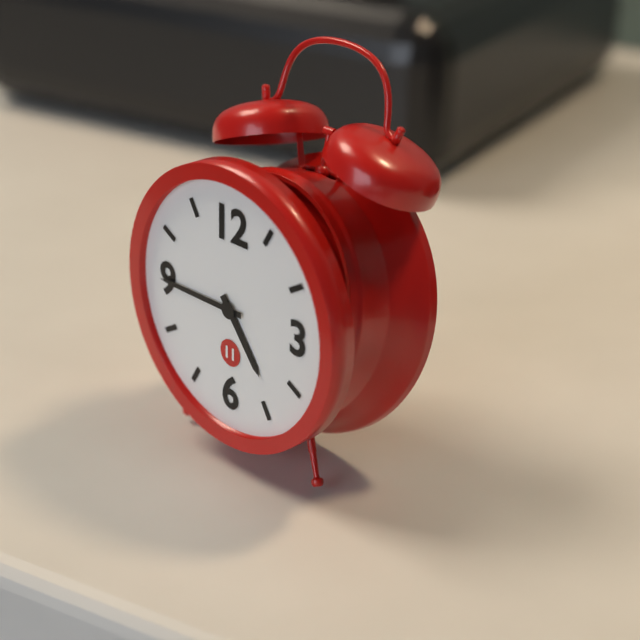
4:45
